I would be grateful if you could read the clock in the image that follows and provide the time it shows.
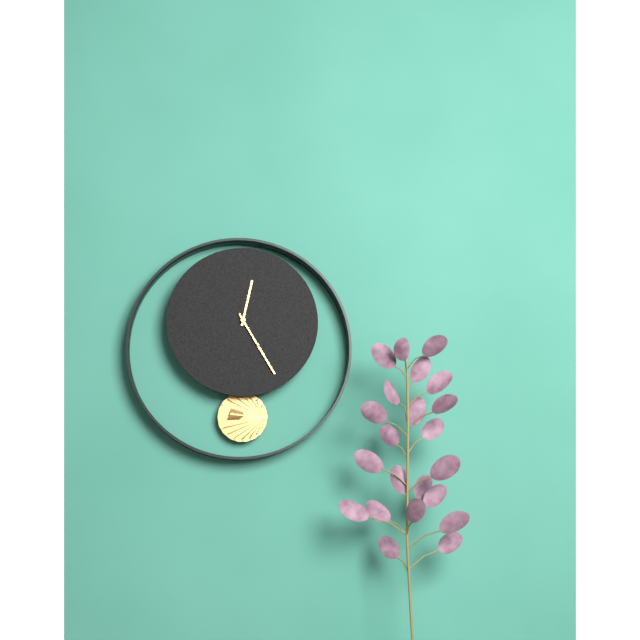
12:25
